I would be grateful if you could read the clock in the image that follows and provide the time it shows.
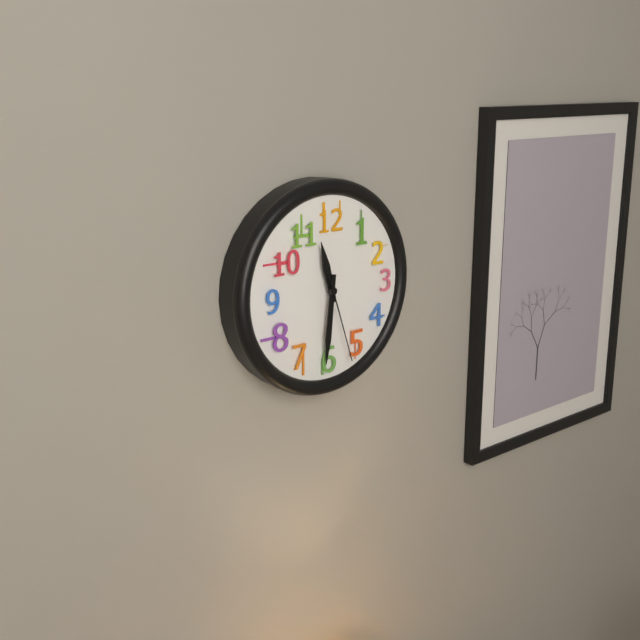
11:31:27
